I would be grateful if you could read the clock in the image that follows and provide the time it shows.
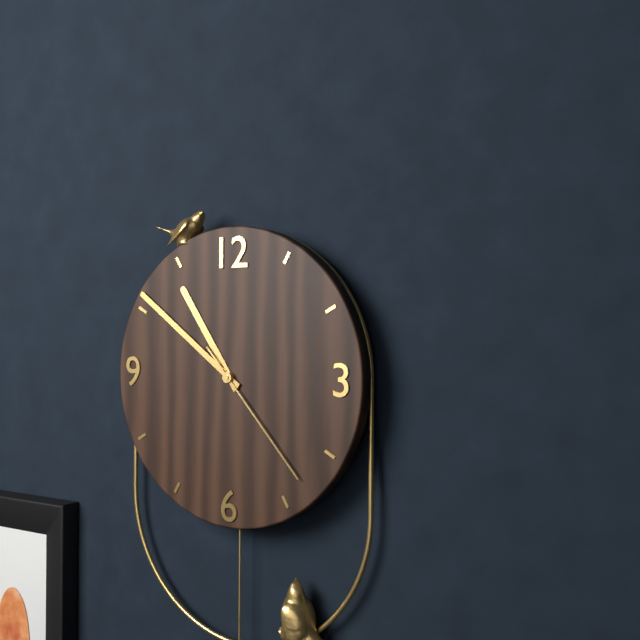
10:51:23
